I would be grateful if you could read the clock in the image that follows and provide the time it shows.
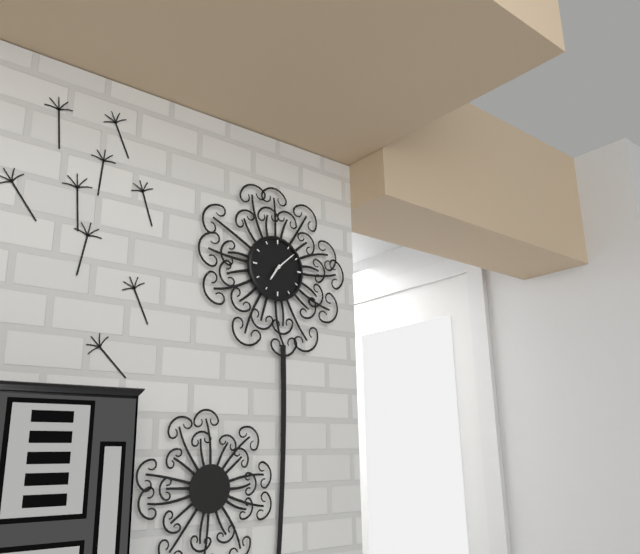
7:08
